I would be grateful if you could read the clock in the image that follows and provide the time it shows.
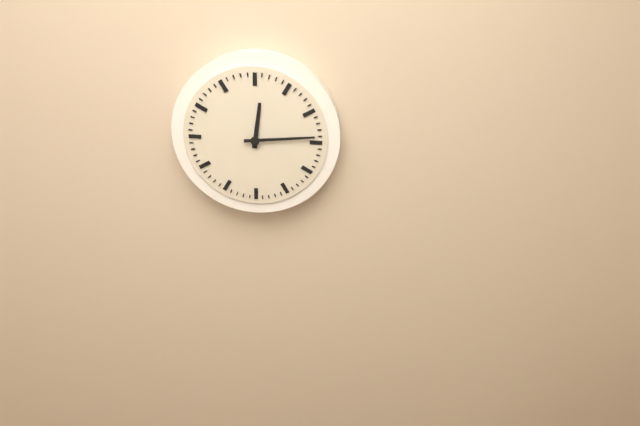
12:14
